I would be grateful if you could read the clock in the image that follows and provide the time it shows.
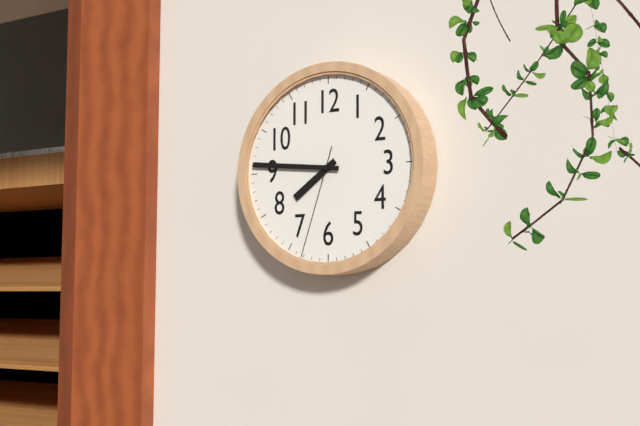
7:46:33
